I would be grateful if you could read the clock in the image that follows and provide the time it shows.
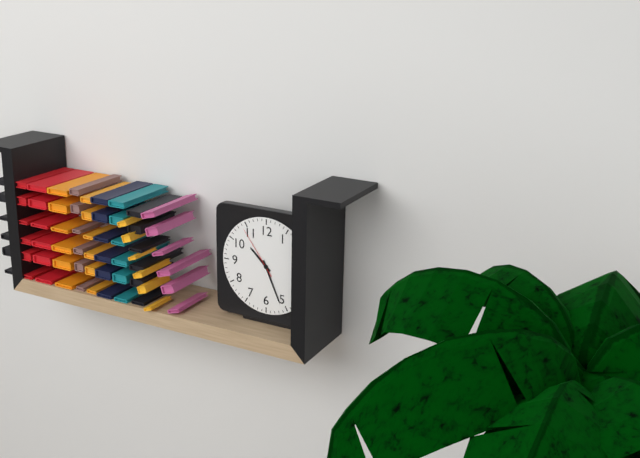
10:26:54
